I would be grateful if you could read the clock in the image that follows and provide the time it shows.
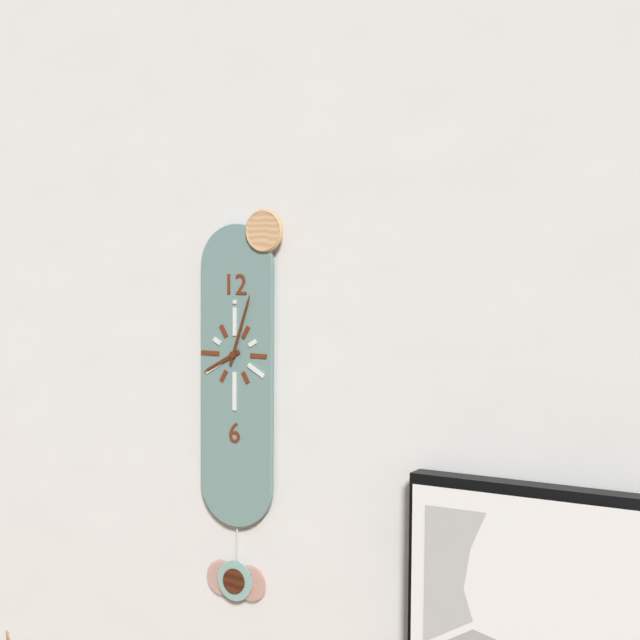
8:03
